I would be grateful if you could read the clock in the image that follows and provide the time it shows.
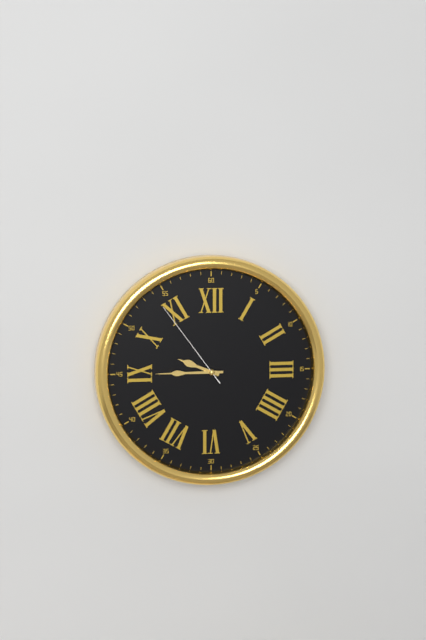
9:45:54
